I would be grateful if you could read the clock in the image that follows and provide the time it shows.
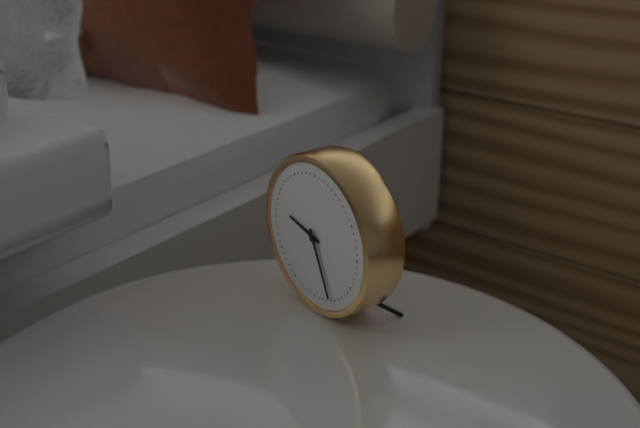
9:26
